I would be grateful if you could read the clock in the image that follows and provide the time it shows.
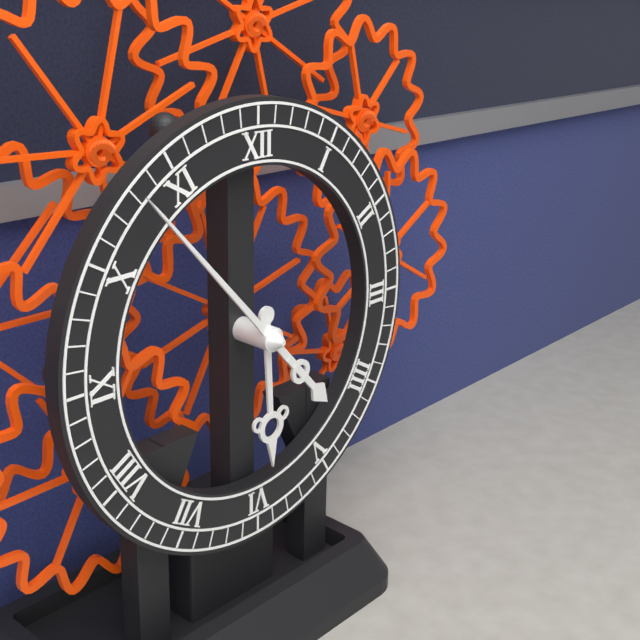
5:53
